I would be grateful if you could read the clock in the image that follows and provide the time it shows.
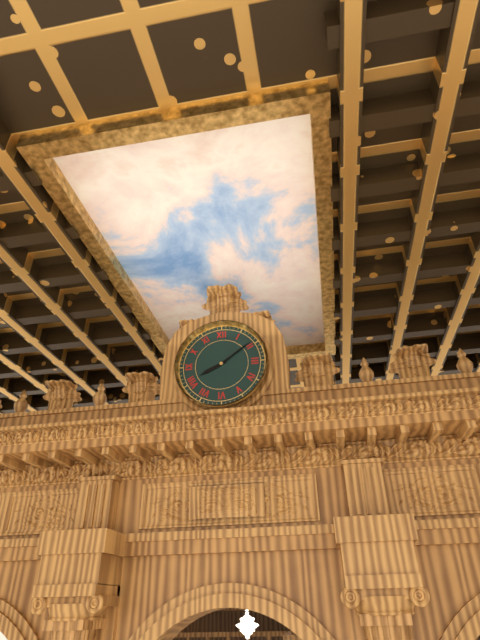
8:09
